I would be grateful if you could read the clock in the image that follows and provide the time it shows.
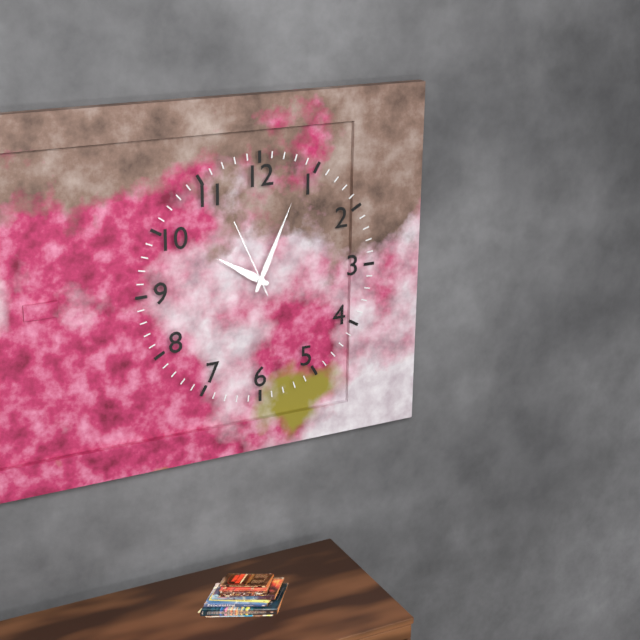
10:04:56
